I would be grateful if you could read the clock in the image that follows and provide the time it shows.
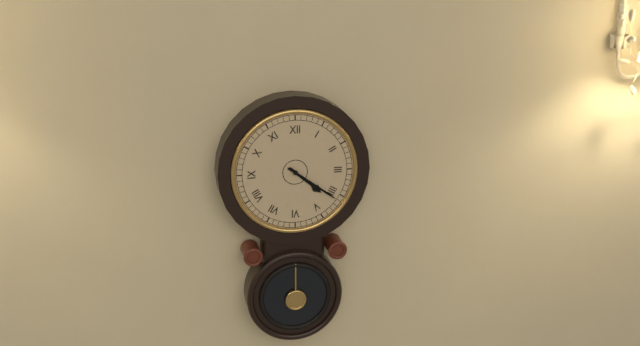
4:21
